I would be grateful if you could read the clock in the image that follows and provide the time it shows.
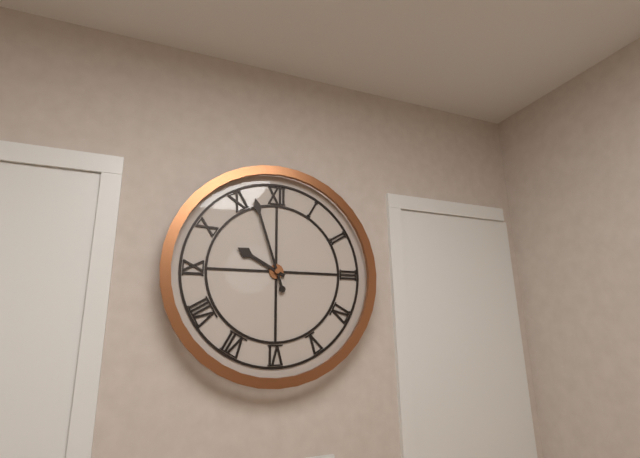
9:57
